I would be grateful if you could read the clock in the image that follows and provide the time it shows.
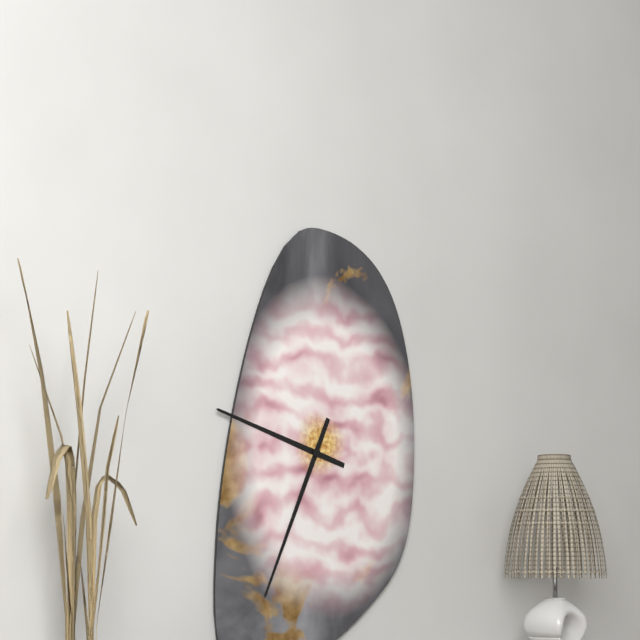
9:34
